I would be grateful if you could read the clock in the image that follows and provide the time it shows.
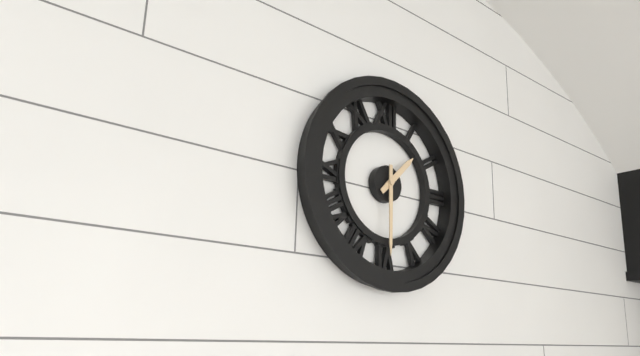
1:30
